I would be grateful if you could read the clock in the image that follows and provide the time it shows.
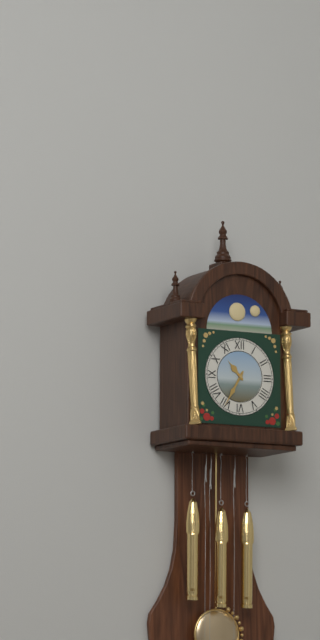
10:35
